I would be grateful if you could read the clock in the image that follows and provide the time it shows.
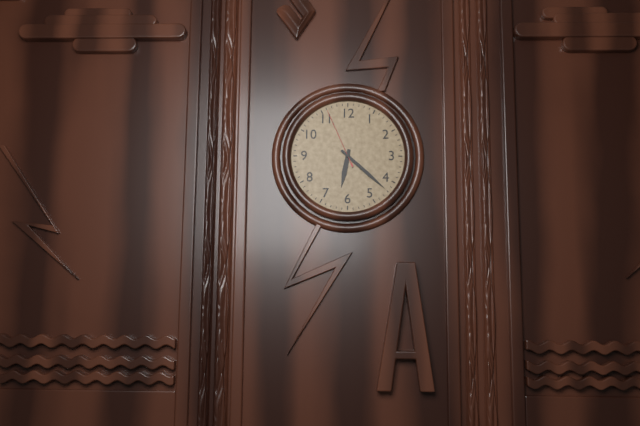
6:22:56
